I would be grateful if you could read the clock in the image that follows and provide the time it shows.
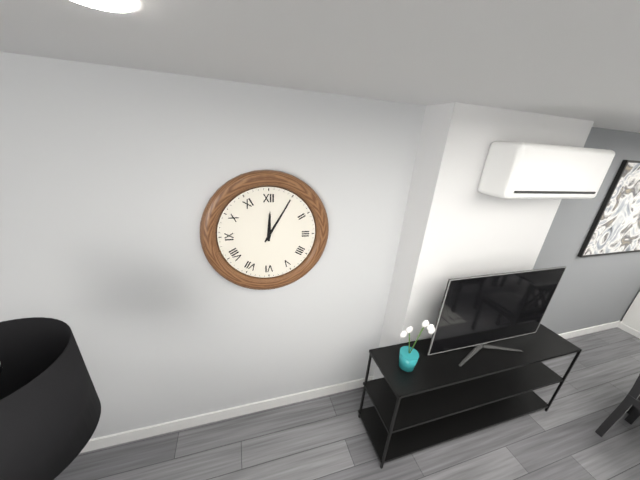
12:05
